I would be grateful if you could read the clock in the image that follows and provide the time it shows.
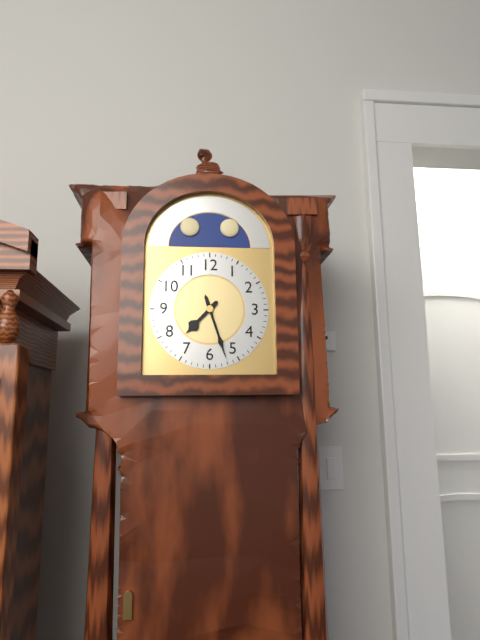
7:27
